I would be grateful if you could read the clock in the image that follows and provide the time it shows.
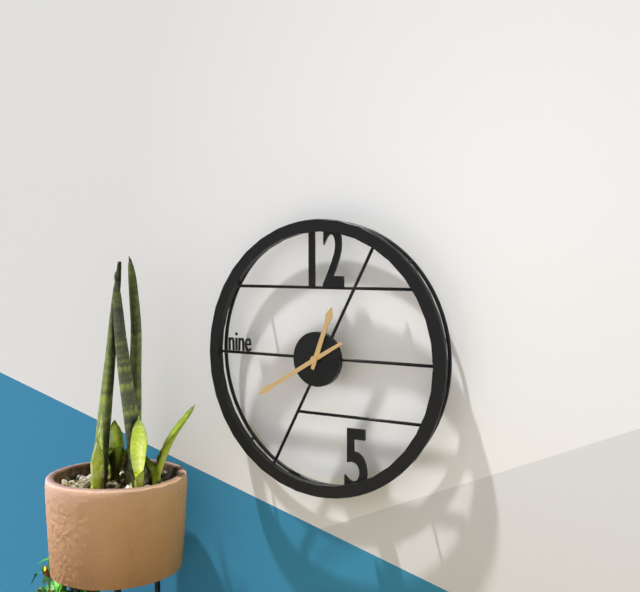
12:40
